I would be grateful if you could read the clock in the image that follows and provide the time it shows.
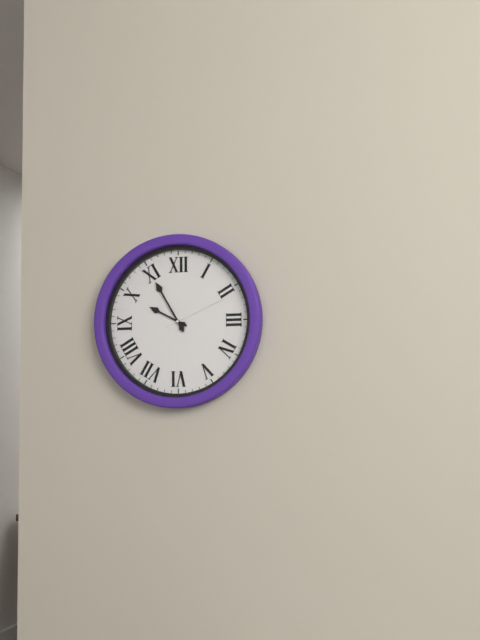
9:55:11
